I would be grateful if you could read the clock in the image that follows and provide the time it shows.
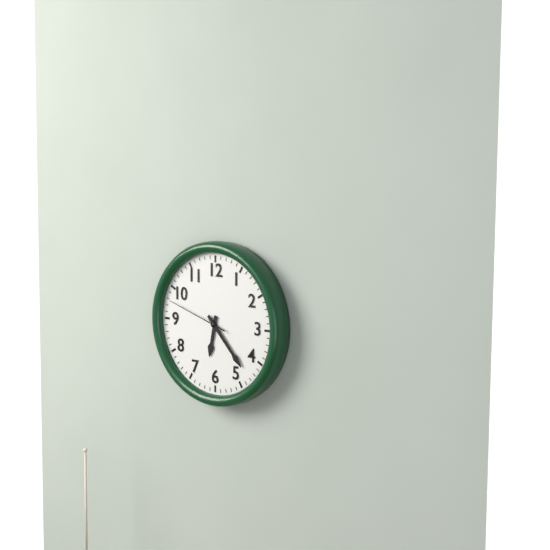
6:23:48
